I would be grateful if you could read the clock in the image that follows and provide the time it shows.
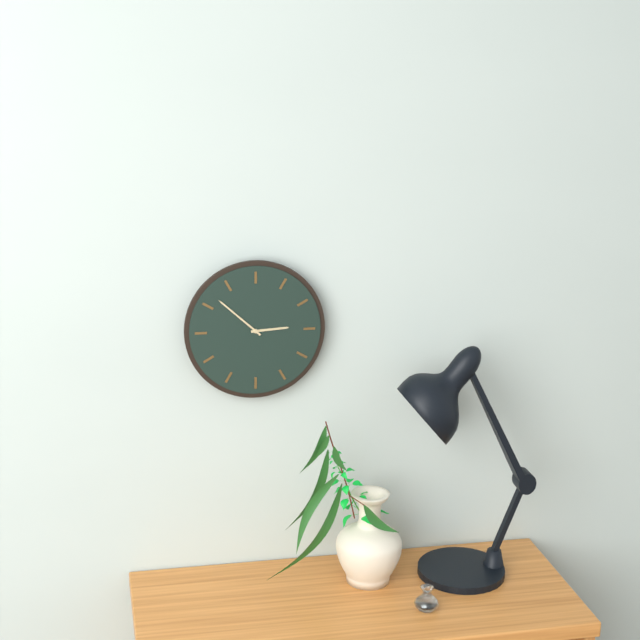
2:52
